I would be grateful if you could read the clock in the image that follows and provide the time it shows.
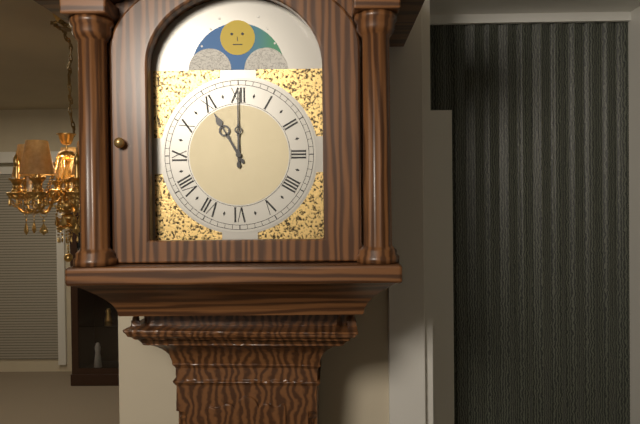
11:00
